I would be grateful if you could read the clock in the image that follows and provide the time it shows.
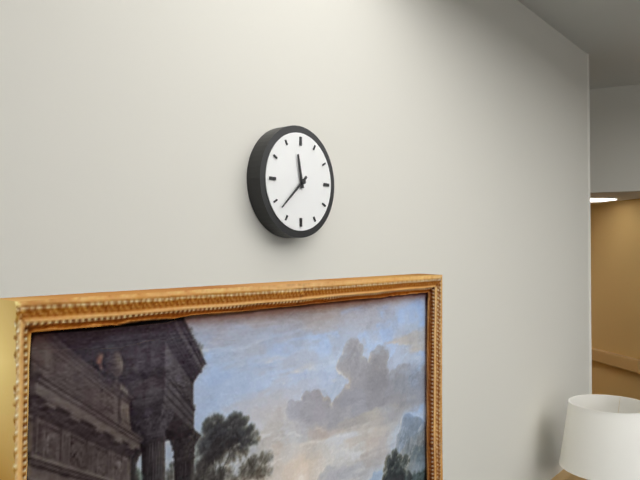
11:38
